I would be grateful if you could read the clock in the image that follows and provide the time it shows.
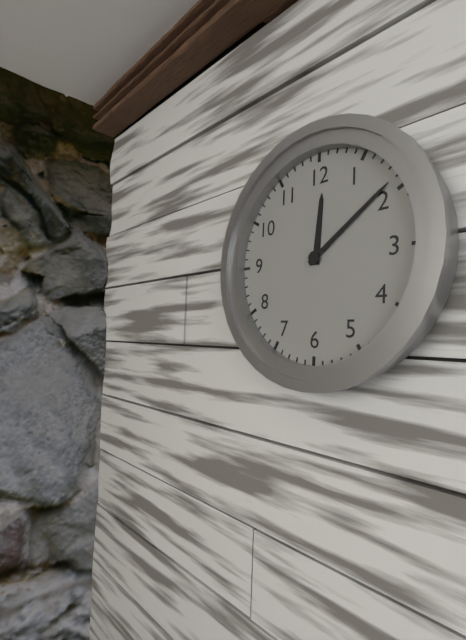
12:09
